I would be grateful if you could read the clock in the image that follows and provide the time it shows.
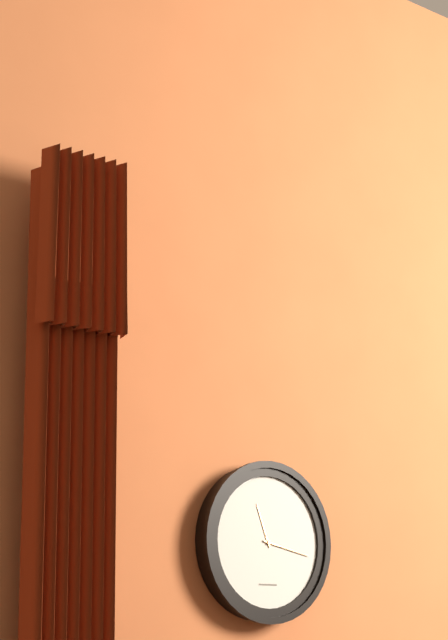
11:17
